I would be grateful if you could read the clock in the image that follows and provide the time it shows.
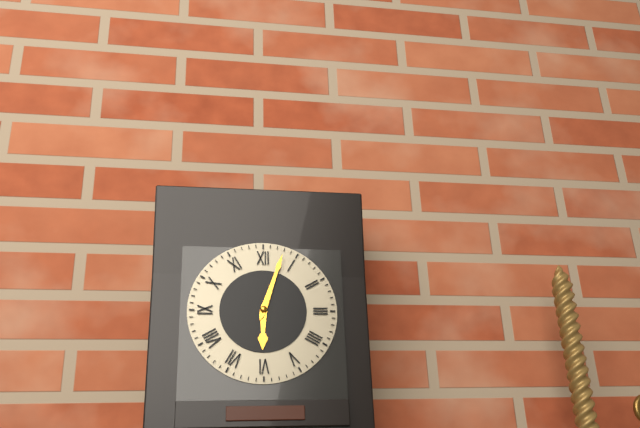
6:03
